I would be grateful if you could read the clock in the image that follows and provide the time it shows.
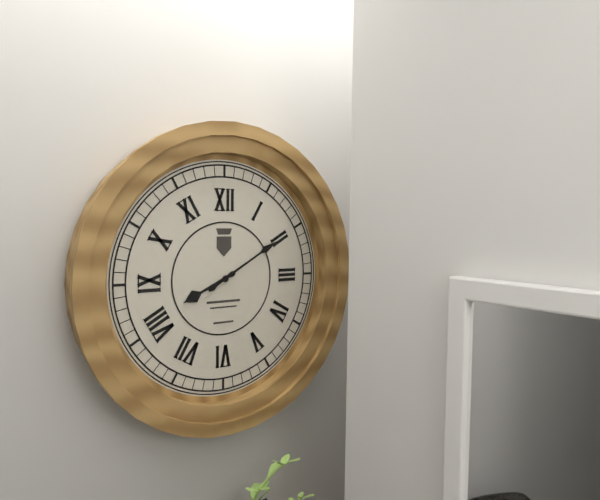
8:10
